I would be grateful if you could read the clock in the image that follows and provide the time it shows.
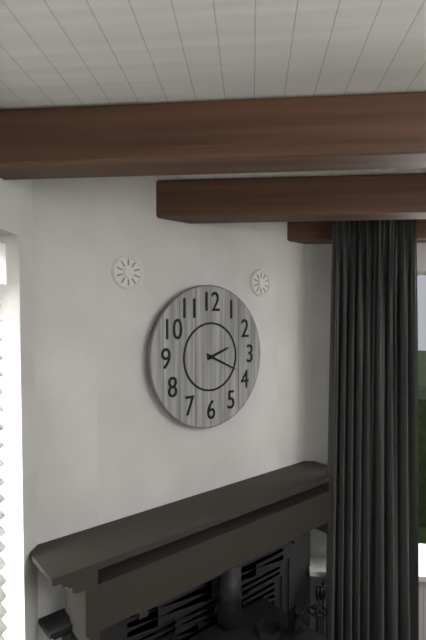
2:19
